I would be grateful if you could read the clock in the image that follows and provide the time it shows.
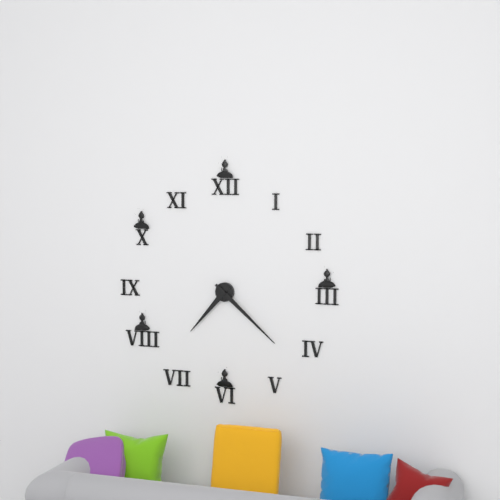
7:22
